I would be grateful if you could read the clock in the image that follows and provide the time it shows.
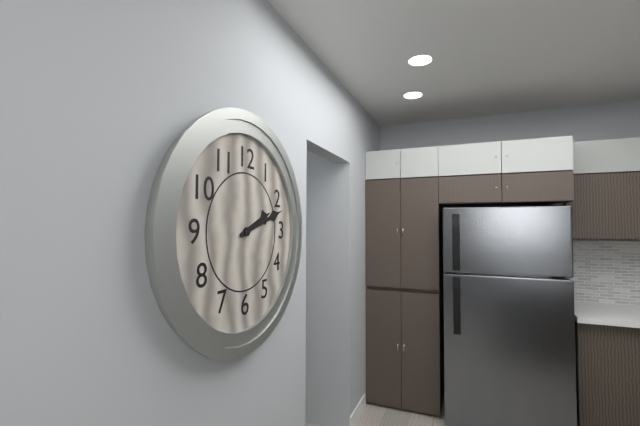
2:12
